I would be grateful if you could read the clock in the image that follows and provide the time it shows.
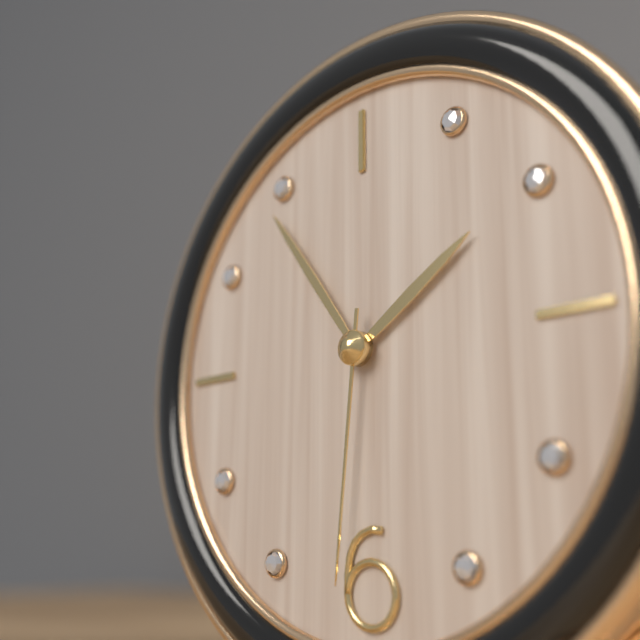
1:54:31
